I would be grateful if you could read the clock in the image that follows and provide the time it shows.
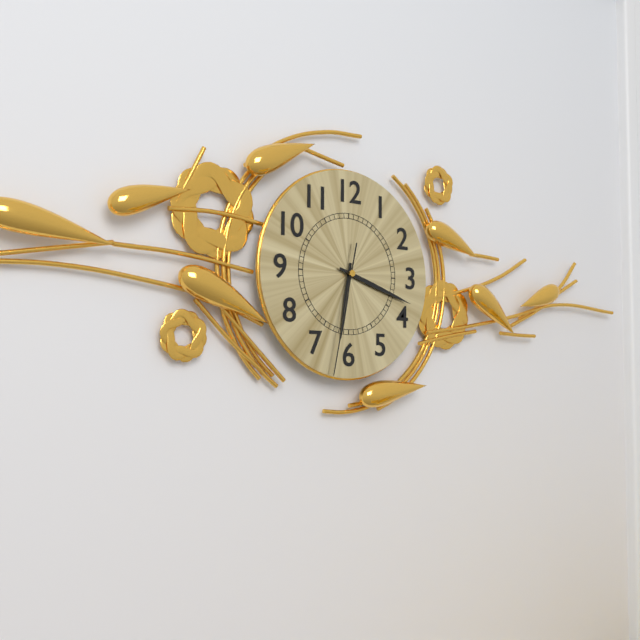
6:18:32
